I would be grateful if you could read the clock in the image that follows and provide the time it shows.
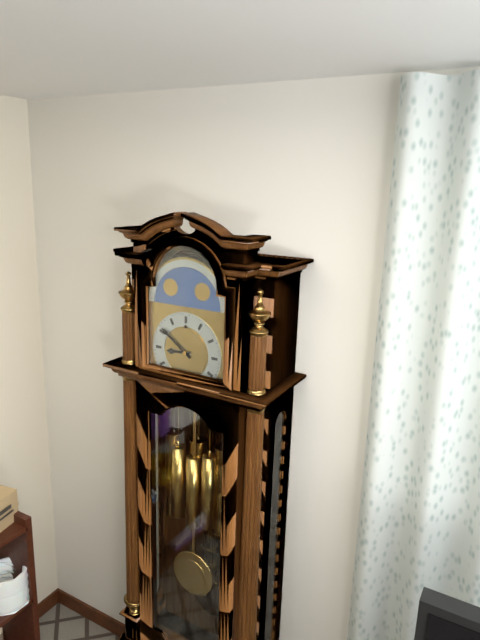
8:51
